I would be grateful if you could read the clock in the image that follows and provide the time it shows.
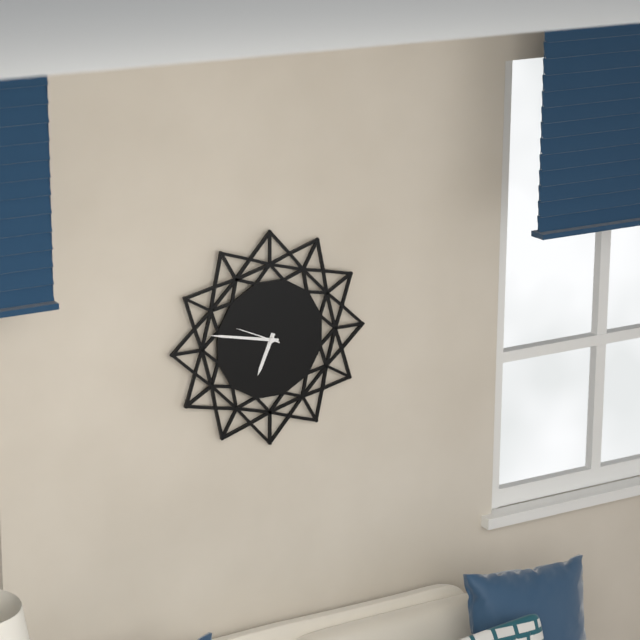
6:47
